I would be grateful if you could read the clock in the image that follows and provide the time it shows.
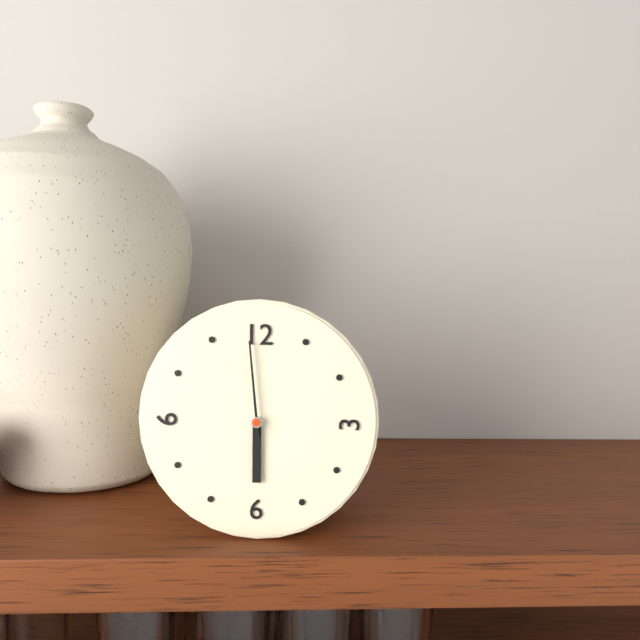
5:59
